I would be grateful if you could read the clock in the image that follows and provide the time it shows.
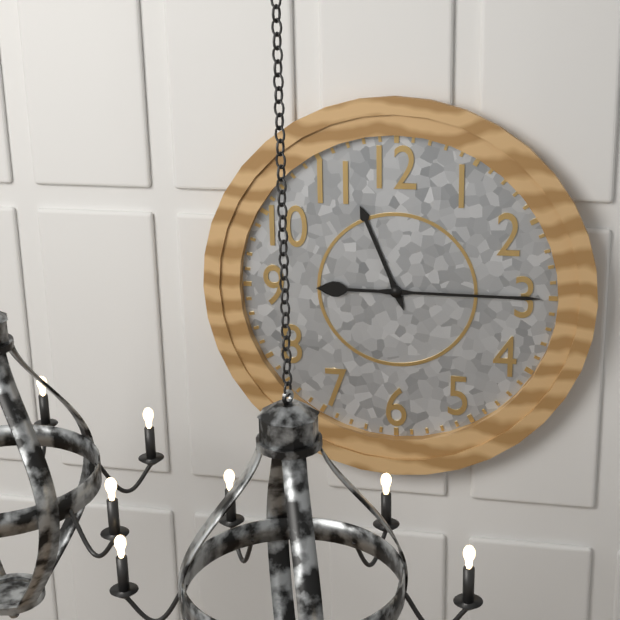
11:15
